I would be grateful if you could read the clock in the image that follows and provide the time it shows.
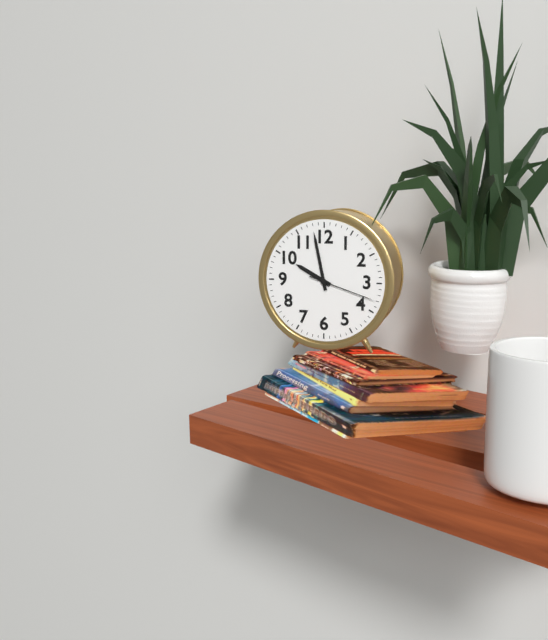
9:58:18
